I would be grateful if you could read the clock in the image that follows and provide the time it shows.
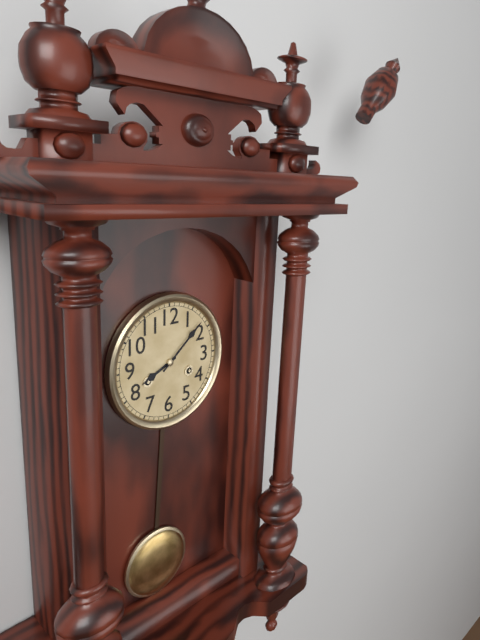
8:08
